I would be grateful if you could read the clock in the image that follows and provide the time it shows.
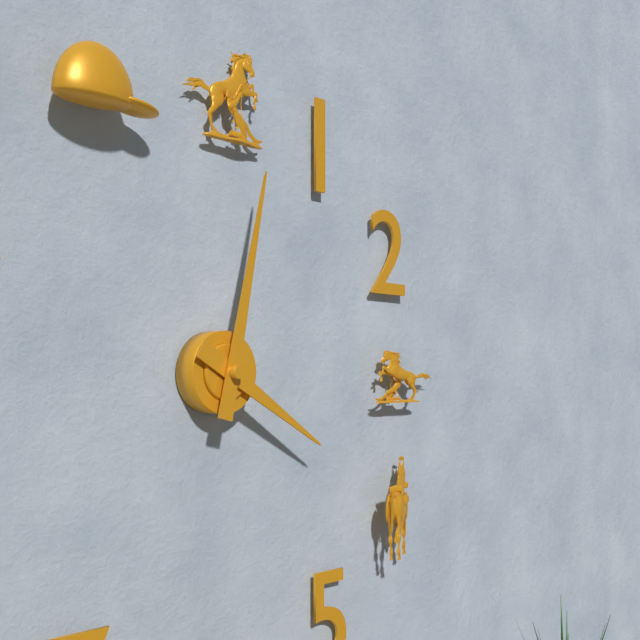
4:02
